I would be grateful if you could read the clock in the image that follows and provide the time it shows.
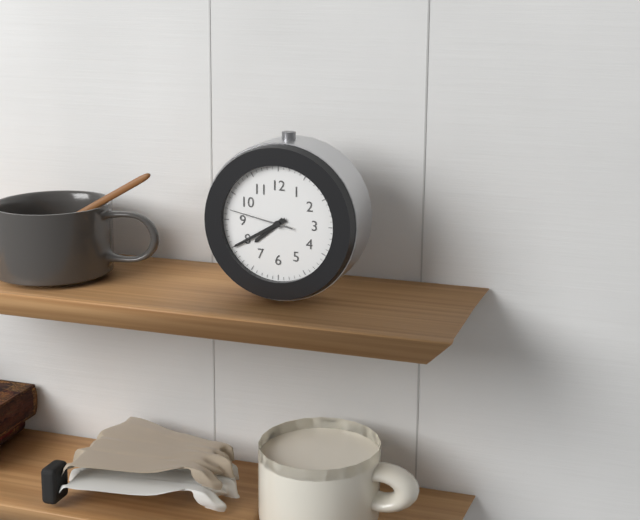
7:40:47
